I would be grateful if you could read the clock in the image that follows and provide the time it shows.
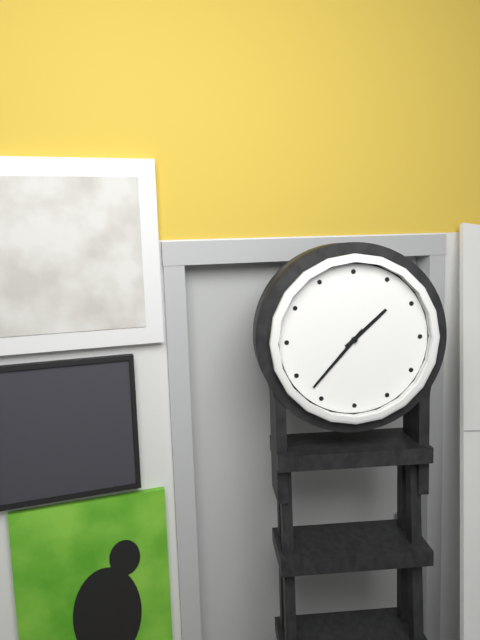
1:37
